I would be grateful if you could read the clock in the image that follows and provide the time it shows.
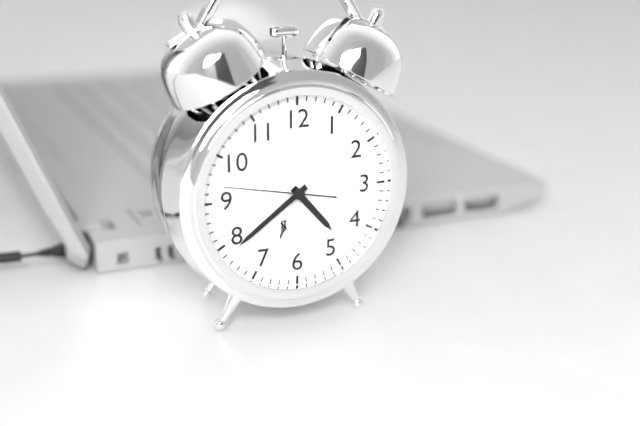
4:39:47
